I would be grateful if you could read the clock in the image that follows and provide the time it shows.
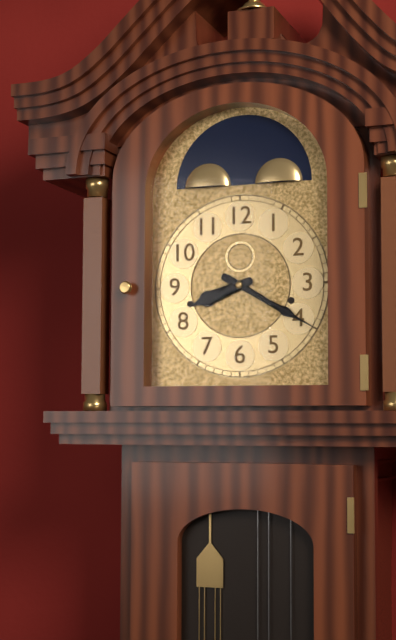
8:20
